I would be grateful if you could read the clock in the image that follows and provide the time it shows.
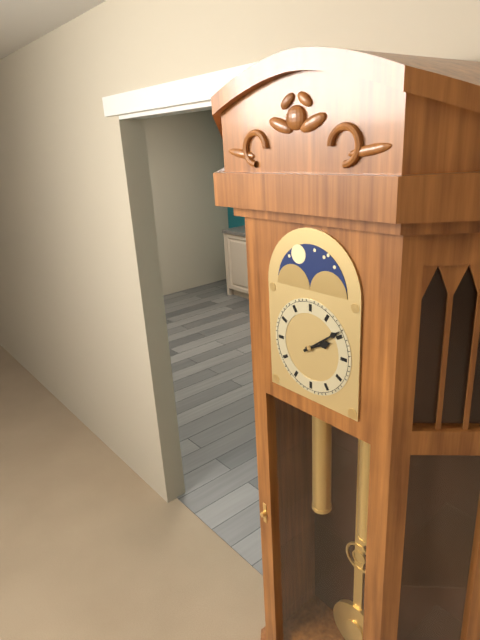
2:09
